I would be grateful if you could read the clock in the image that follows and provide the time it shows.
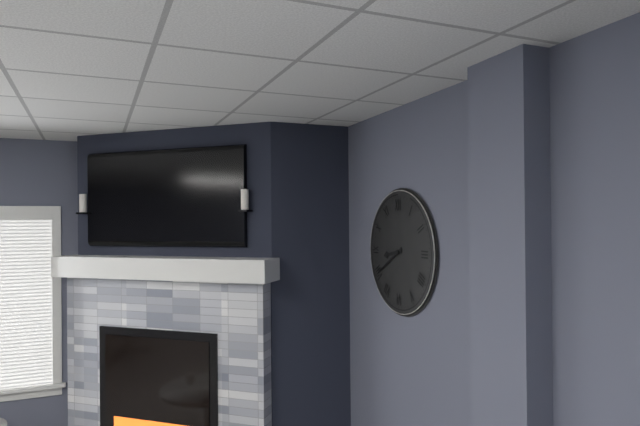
8:40
